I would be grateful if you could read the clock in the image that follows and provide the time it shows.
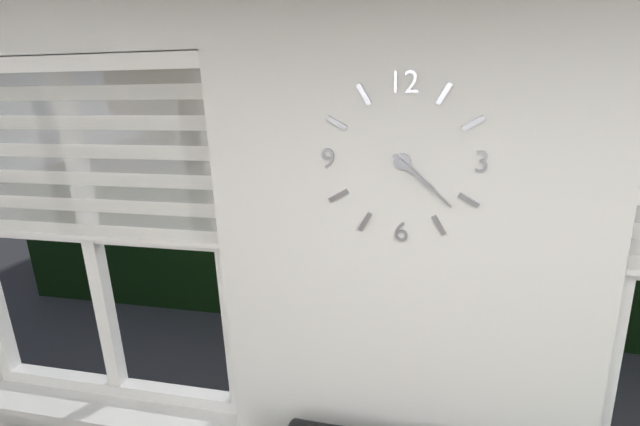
4:22
